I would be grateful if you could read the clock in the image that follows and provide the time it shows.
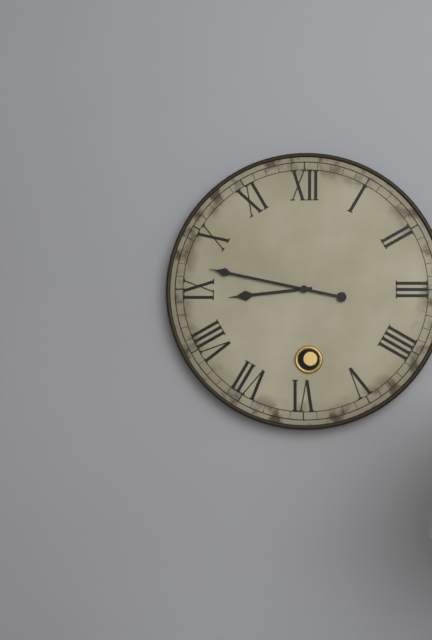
8:47
